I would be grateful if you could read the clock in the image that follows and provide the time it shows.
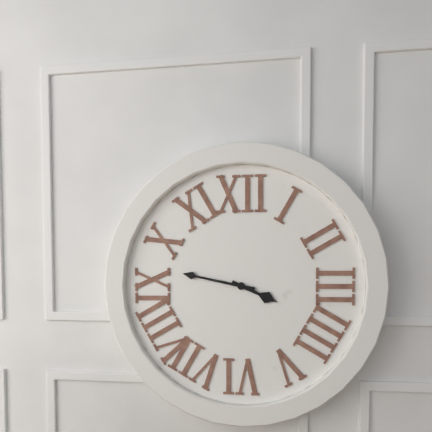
3:47
